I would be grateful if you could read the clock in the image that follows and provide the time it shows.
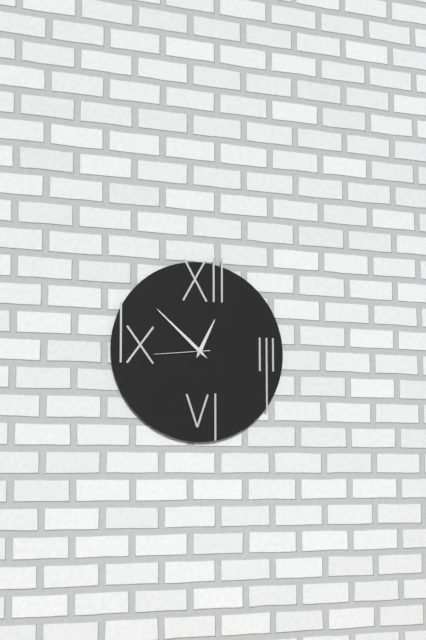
12:52:44
